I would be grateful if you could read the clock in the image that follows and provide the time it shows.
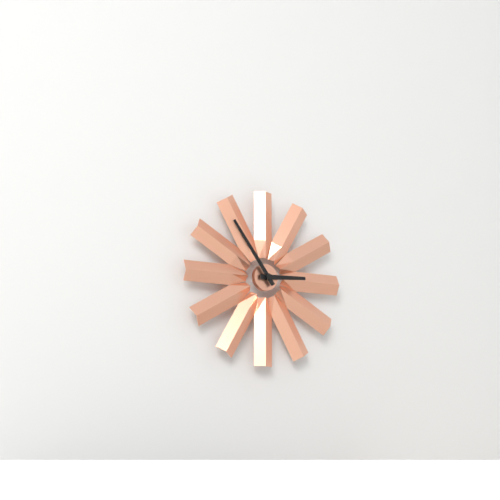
2:54
